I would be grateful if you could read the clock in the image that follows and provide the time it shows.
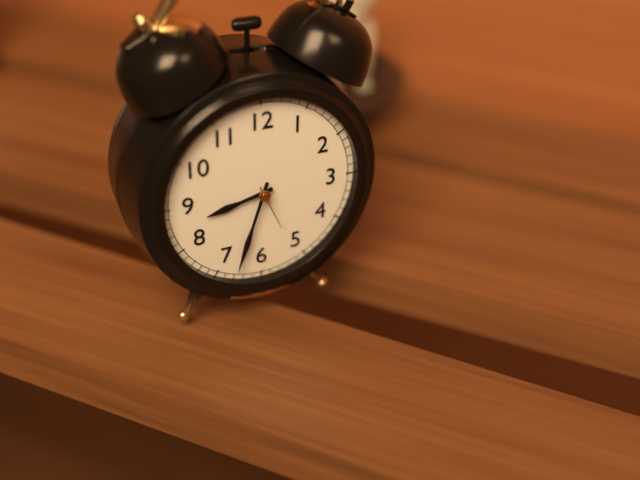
8:33:26
